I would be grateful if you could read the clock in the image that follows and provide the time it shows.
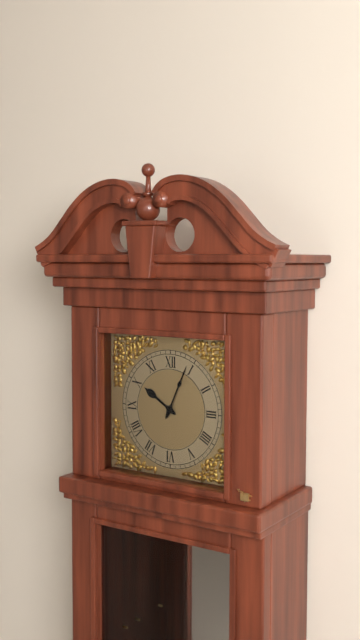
10:04
